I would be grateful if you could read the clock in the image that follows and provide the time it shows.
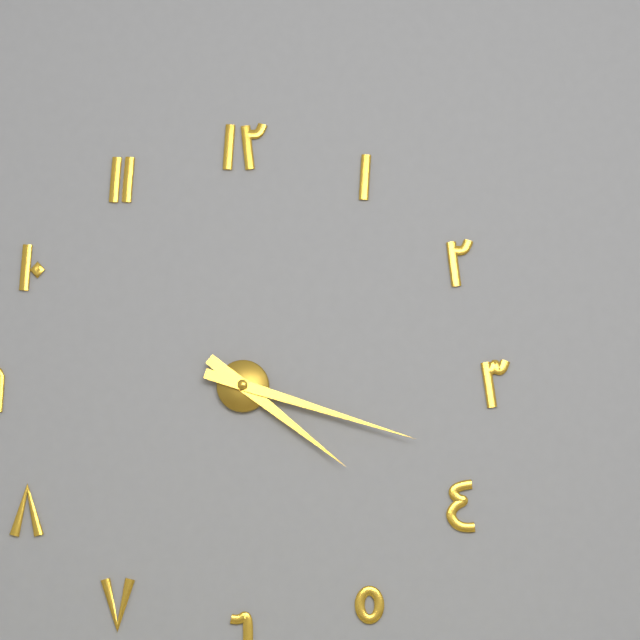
4:18
